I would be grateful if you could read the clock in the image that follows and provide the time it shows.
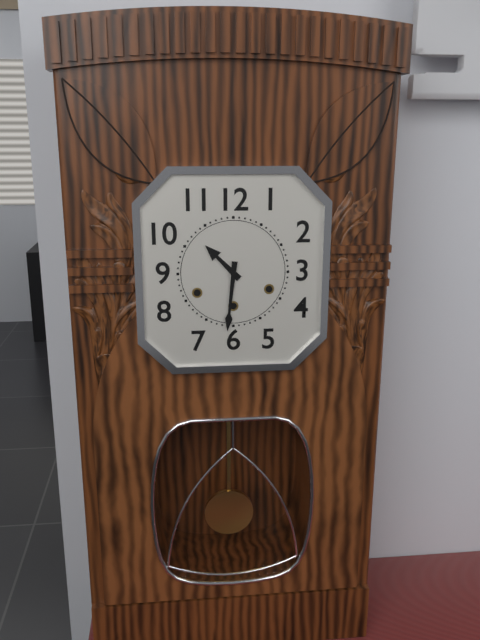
10:31
